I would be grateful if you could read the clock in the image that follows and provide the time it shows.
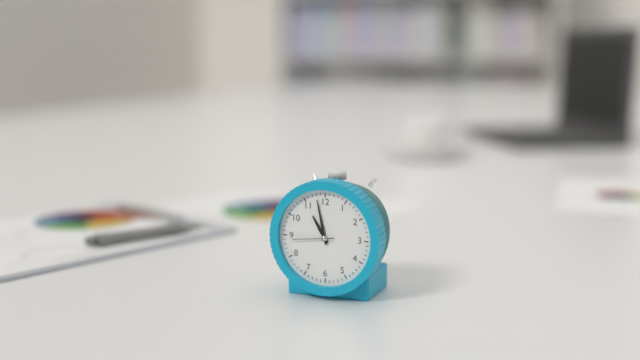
10:58
